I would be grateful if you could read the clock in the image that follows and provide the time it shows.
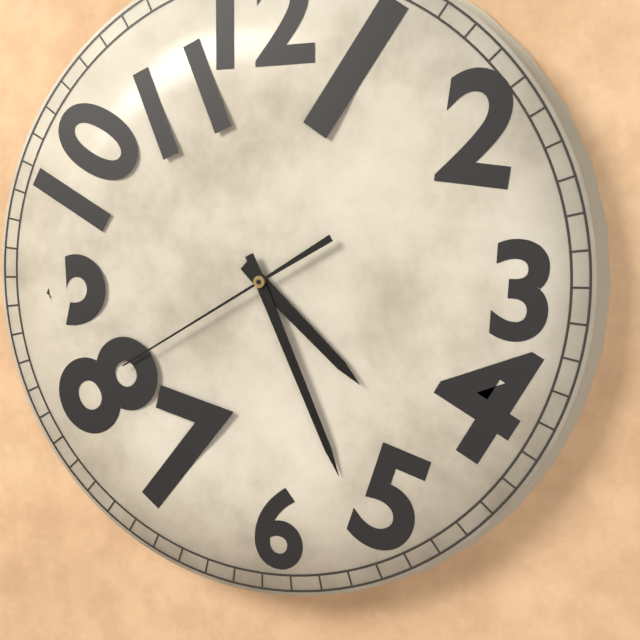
4:26:40
